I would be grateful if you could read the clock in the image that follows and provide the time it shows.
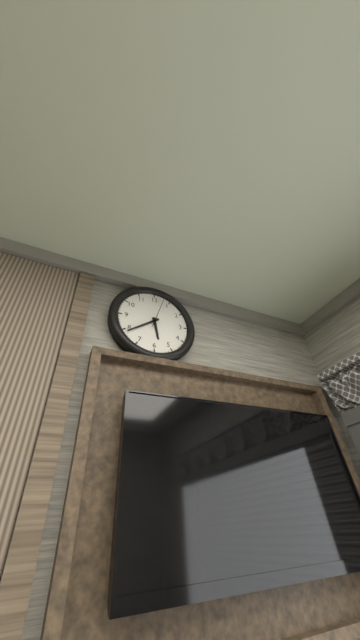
5:39
